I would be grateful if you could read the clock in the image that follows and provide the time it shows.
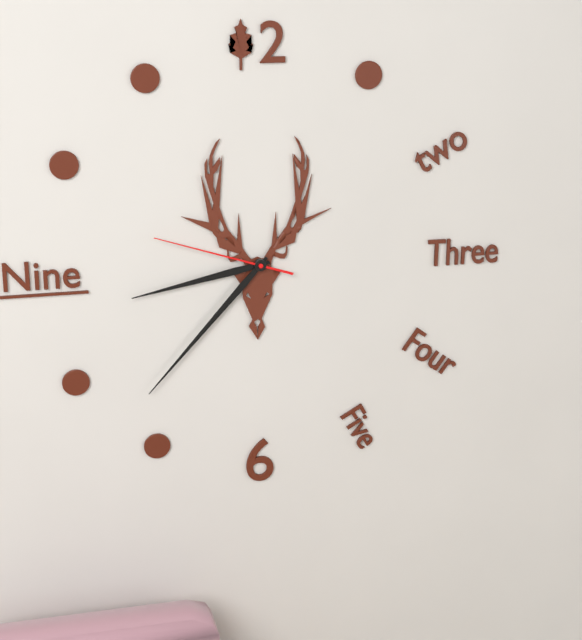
8:37:48
